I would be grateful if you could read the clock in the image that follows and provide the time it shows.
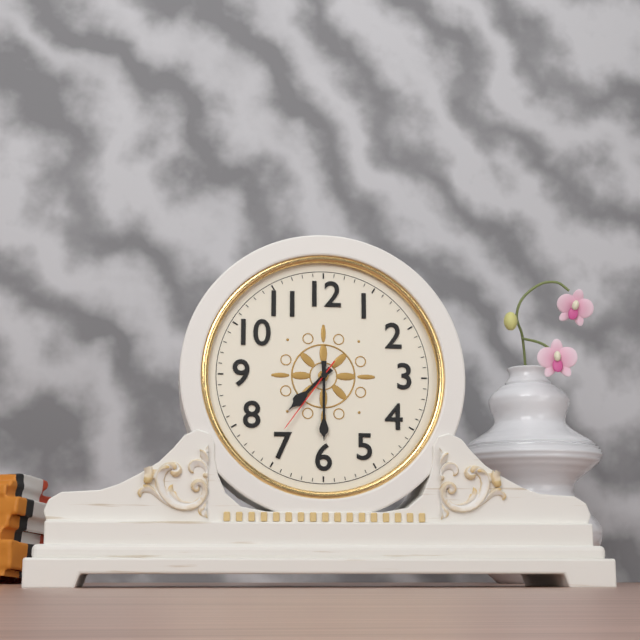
7:30:36
